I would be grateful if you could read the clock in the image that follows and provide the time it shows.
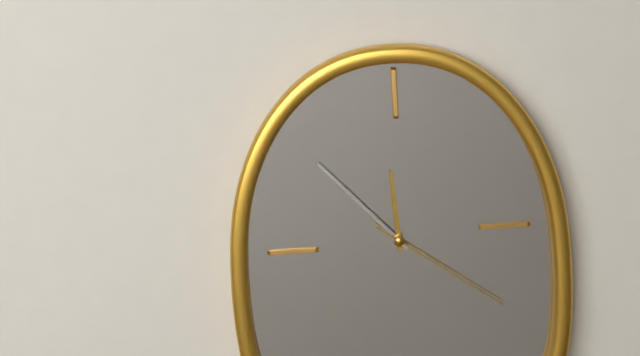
11:53:21
